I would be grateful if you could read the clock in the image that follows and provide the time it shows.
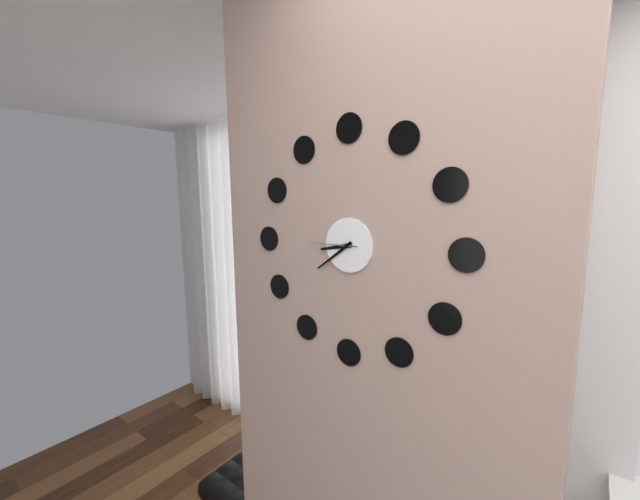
8:39
